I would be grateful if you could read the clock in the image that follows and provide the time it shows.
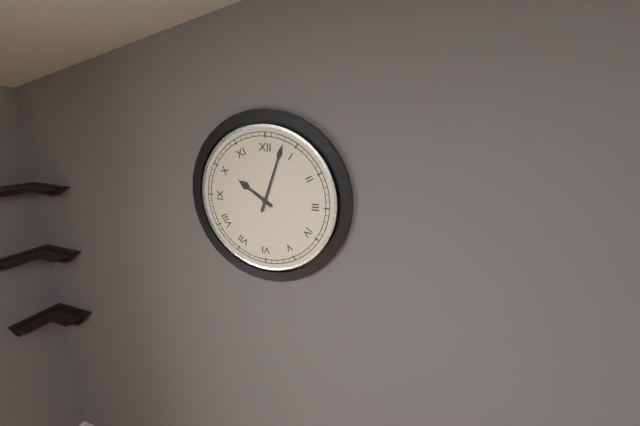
10:03
